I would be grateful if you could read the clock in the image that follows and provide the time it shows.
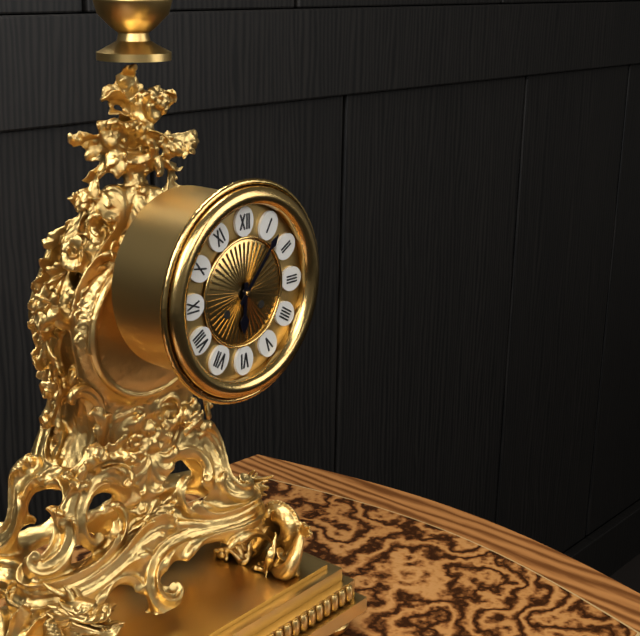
6:07
